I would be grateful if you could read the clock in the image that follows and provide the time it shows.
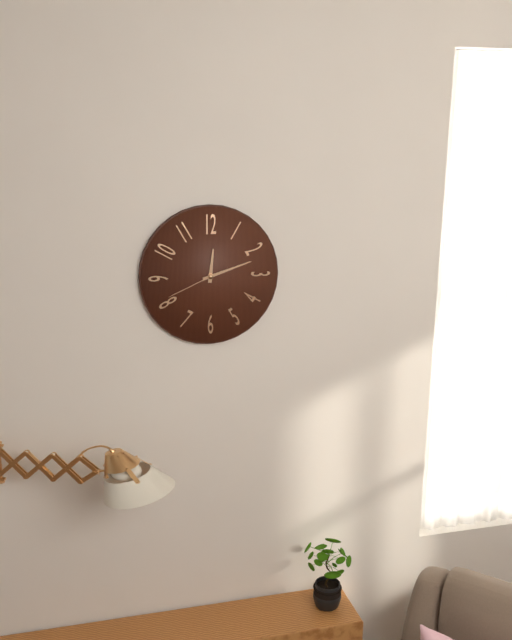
12:12:41
